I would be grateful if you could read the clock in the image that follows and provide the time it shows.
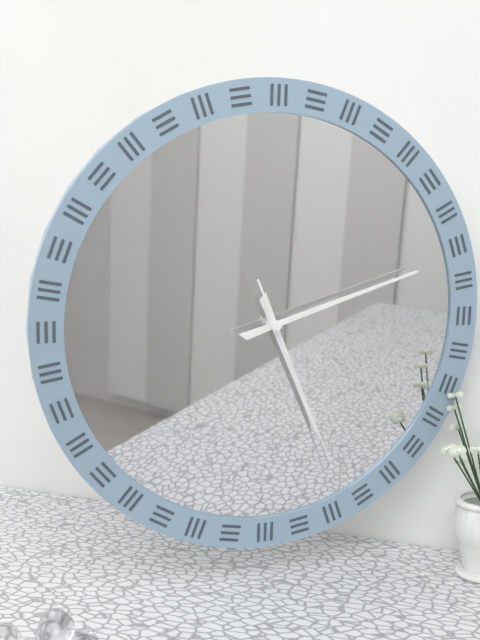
5:12:26
